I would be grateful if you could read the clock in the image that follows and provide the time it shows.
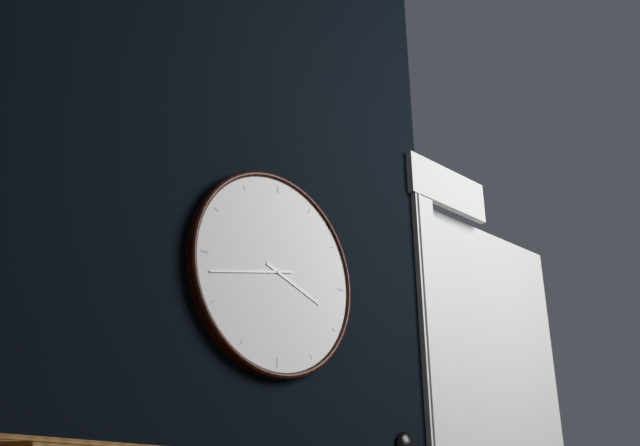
3:43
